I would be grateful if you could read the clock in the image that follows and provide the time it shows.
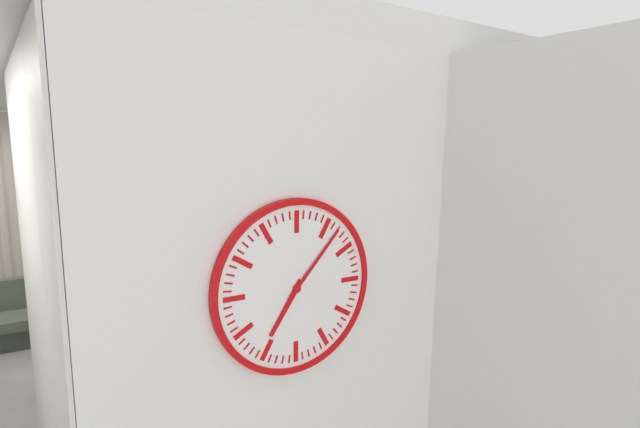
7:07
